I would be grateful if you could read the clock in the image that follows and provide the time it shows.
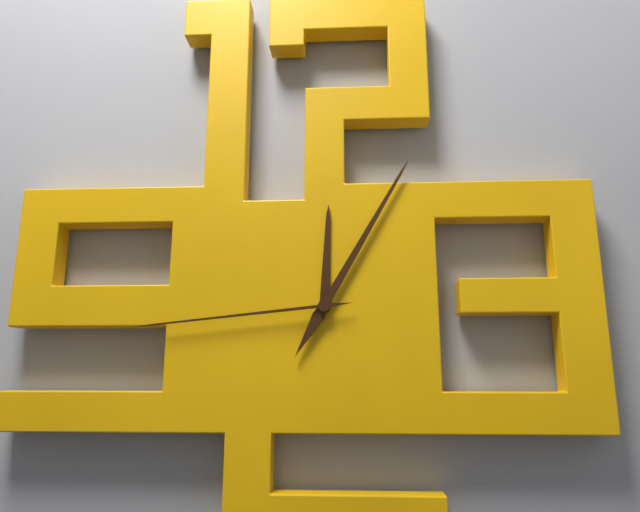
12:05:44
